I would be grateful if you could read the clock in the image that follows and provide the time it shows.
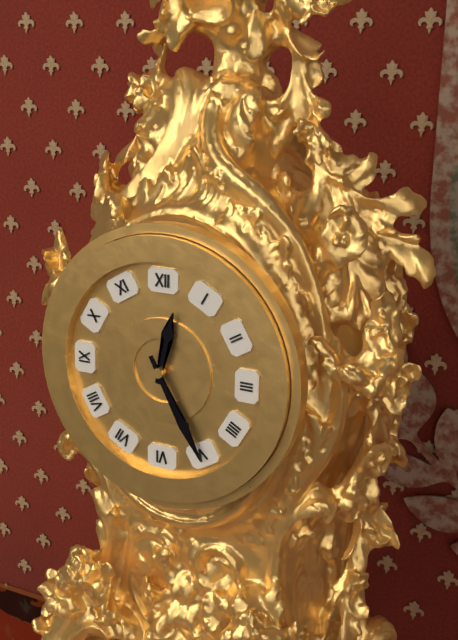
12:25
